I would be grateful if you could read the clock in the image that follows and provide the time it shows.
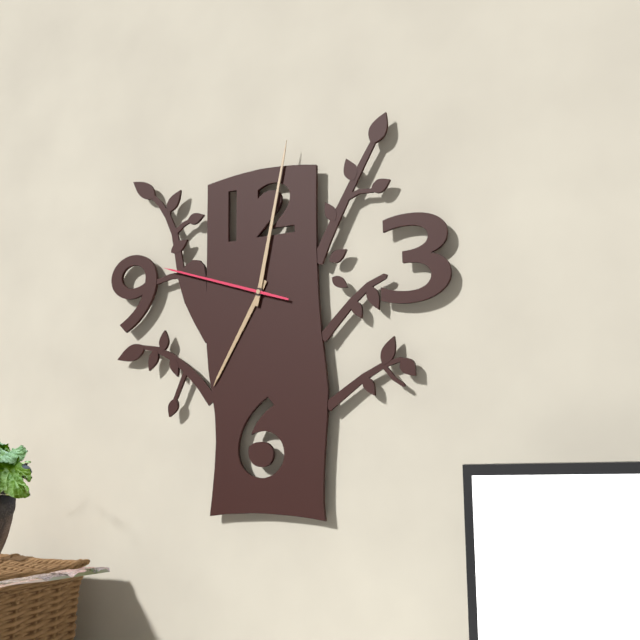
7:02:48
